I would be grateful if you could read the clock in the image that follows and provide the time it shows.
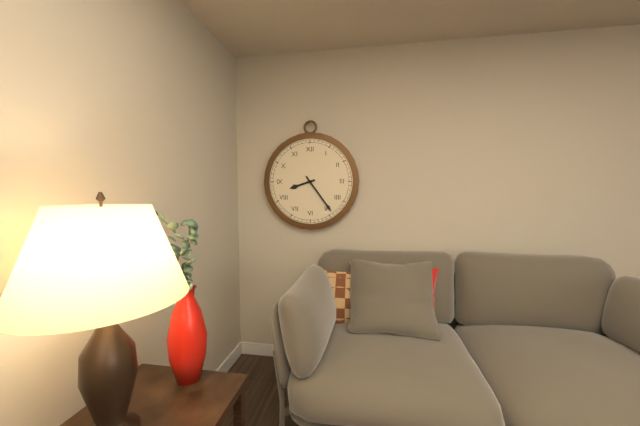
8:24
